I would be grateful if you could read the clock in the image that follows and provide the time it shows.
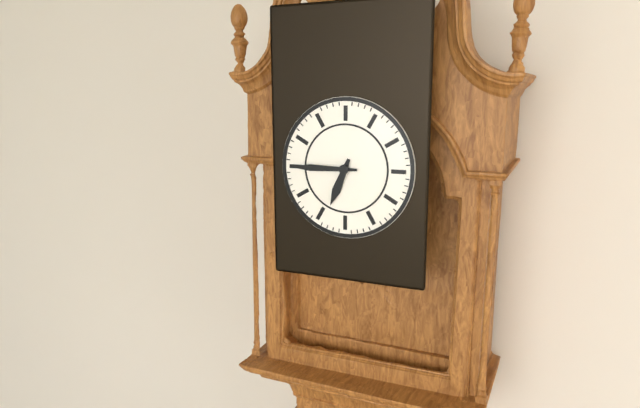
6:45
